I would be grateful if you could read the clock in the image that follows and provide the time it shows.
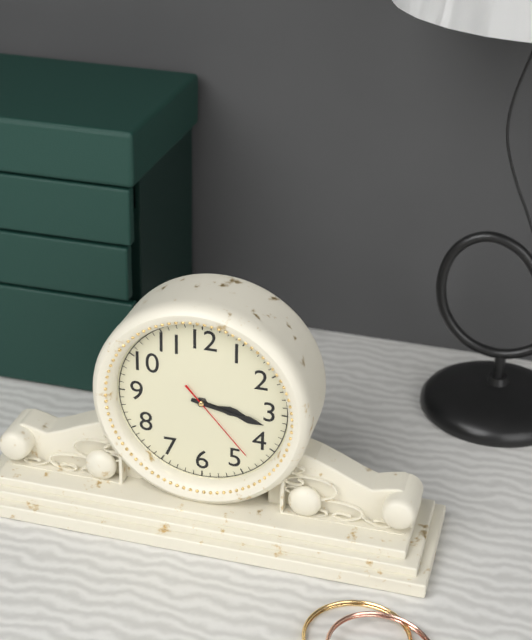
3:17:23
